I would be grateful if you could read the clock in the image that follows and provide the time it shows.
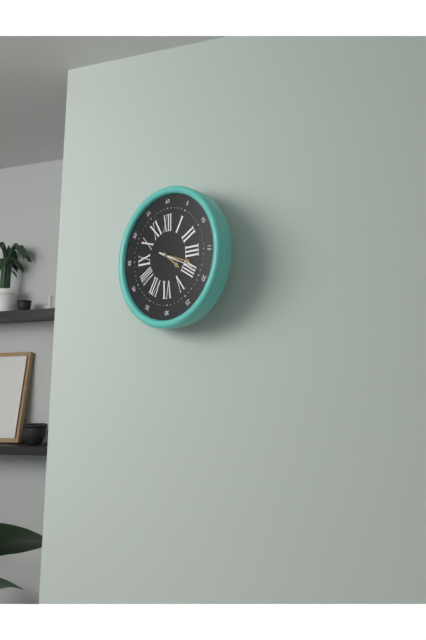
4:18
